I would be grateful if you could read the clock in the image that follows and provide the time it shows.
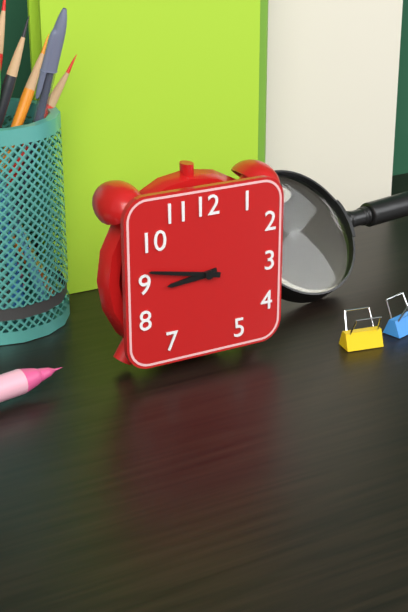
8:47
